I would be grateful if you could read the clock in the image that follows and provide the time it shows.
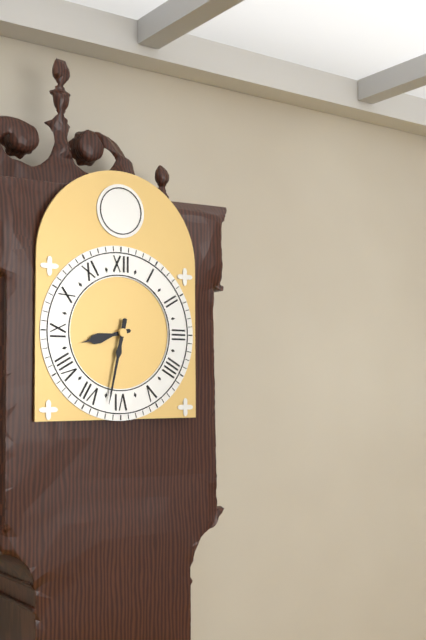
8:32
